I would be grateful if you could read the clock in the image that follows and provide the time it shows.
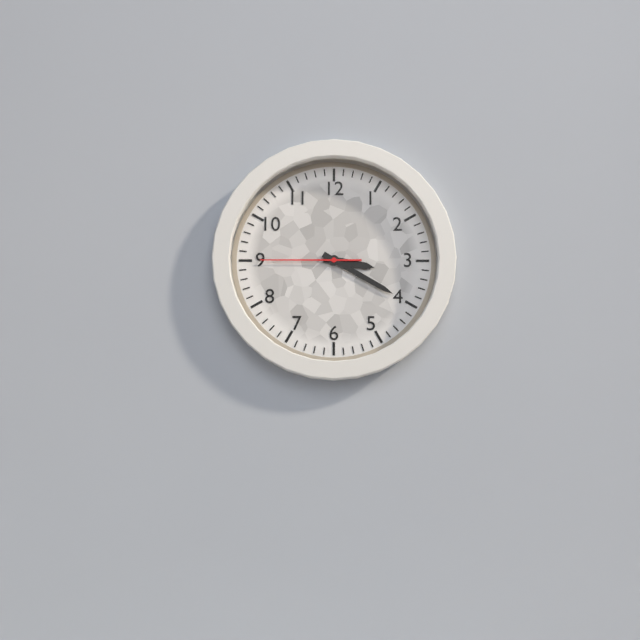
3:20:45
